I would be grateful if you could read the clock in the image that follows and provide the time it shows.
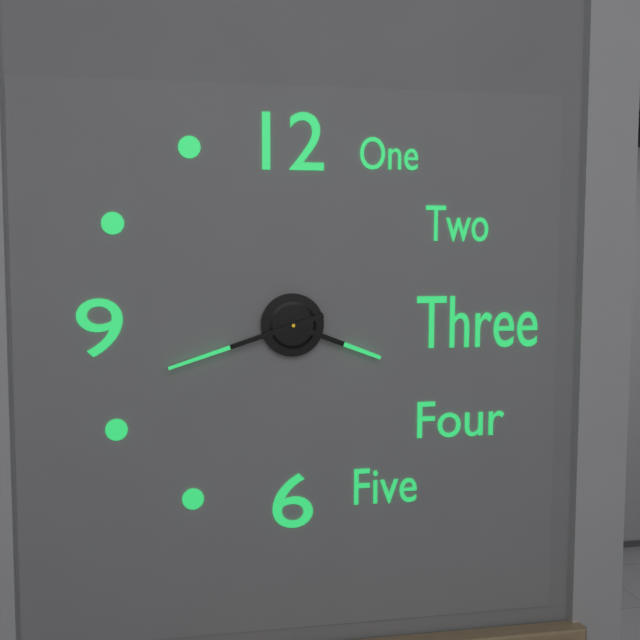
3:42
